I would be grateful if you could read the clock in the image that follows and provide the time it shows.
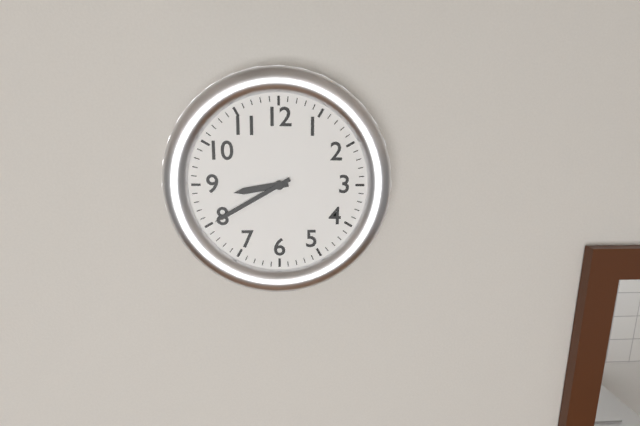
8:40
